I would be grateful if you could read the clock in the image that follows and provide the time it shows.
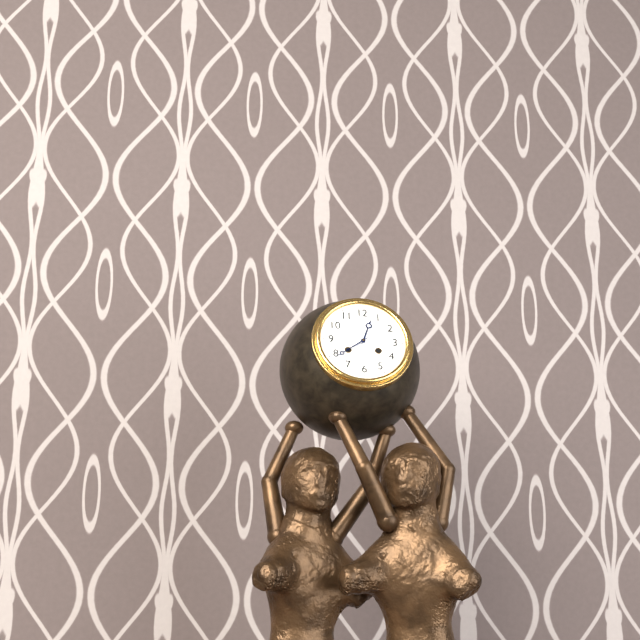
12:39
